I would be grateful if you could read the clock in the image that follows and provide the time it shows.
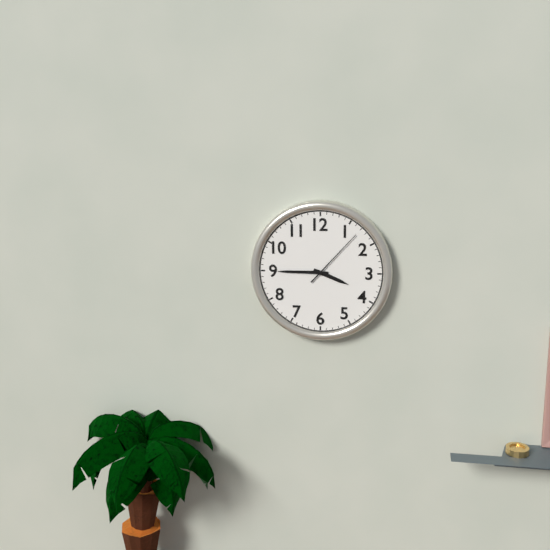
3:45:07
